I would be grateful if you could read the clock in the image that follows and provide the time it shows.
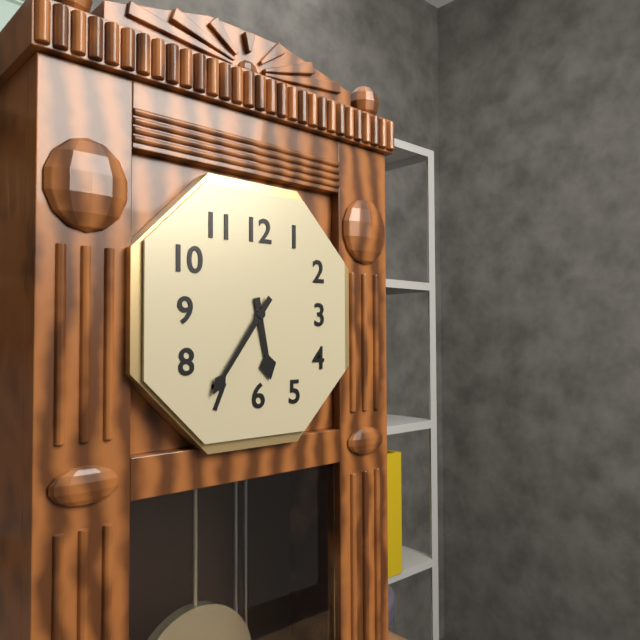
5:36
